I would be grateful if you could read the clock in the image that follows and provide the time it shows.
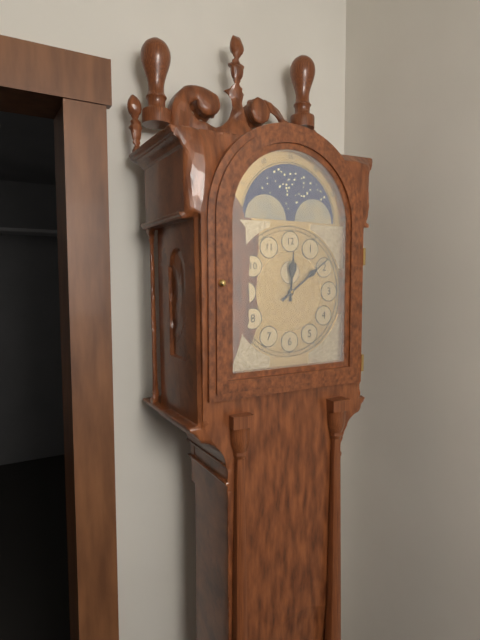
12:09
